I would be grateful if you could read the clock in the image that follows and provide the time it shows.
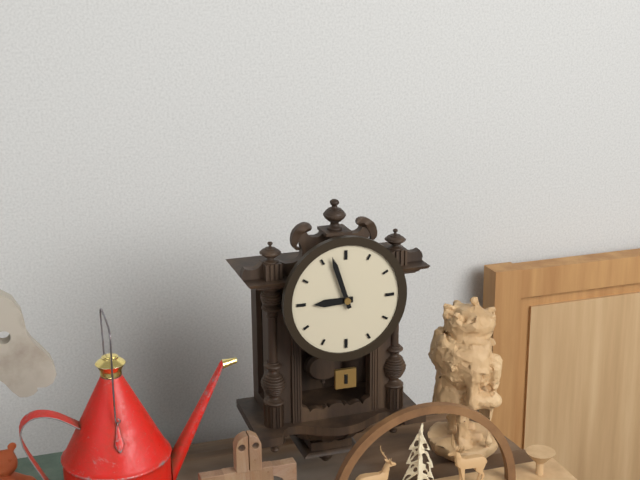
8:57
